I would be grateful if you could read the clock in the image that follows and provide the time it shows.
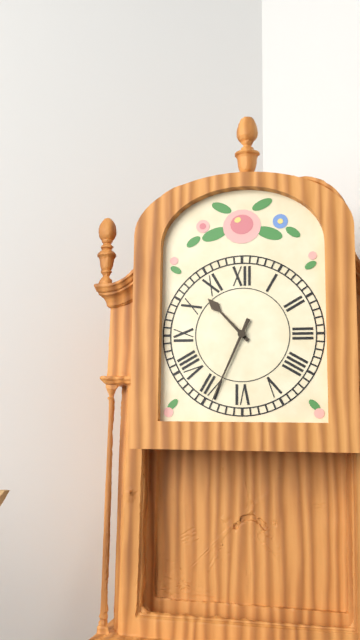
10:34
